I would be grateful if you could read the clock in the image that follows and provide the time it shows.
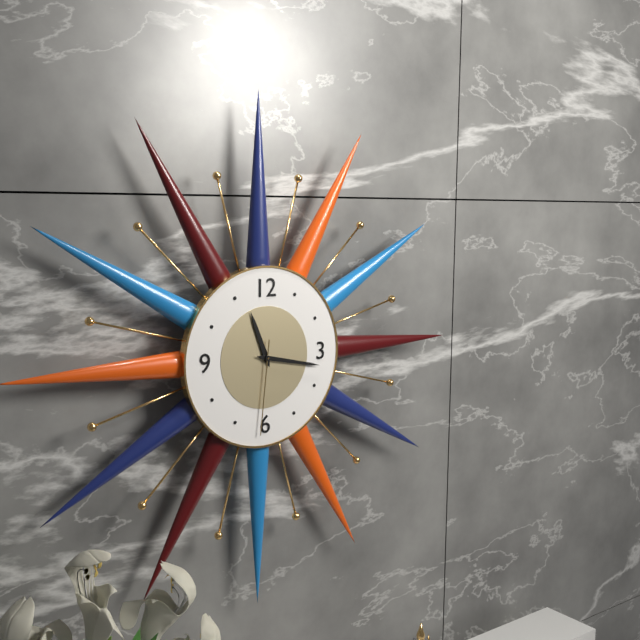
11:17:31
